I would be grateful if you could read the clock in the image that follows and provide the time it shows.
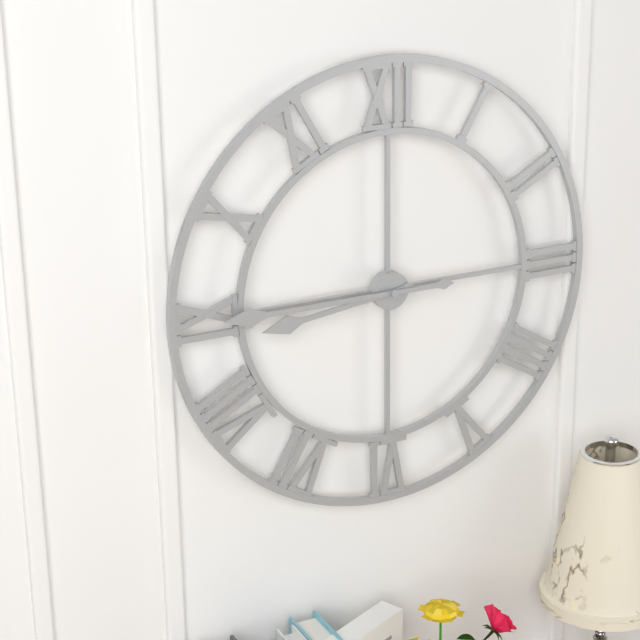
8:45
